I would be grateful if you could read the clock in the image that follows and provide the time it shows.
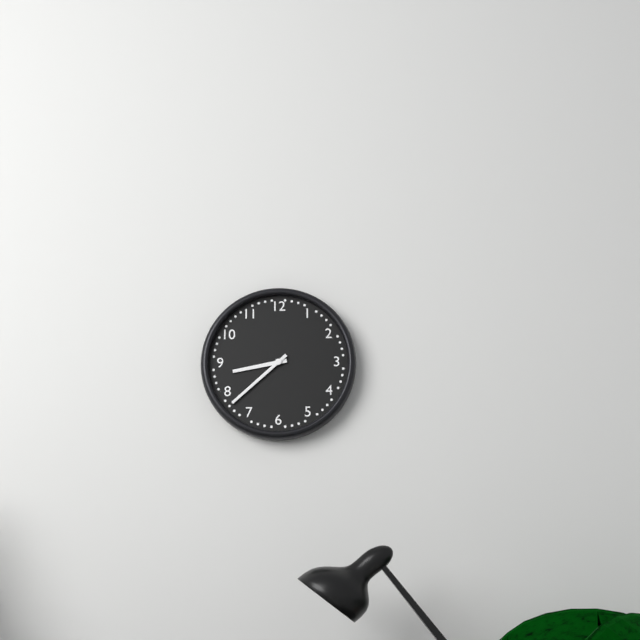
8:38
